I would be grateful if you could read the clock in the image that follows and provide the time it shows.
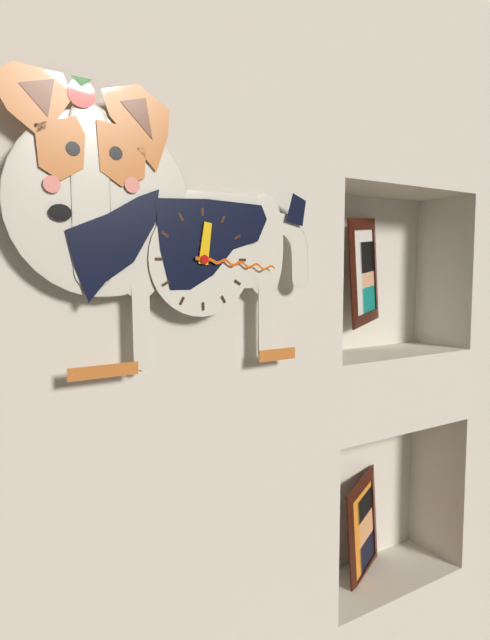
12:16
